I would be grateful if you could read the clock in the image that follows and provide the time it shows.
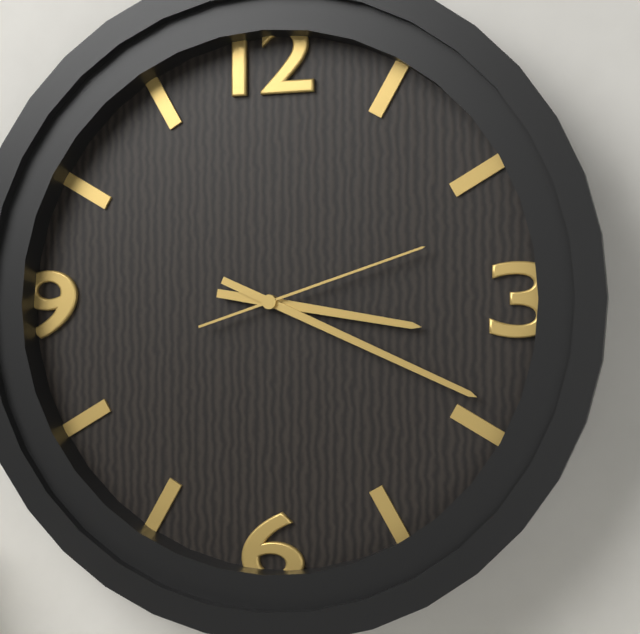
3:19:12
